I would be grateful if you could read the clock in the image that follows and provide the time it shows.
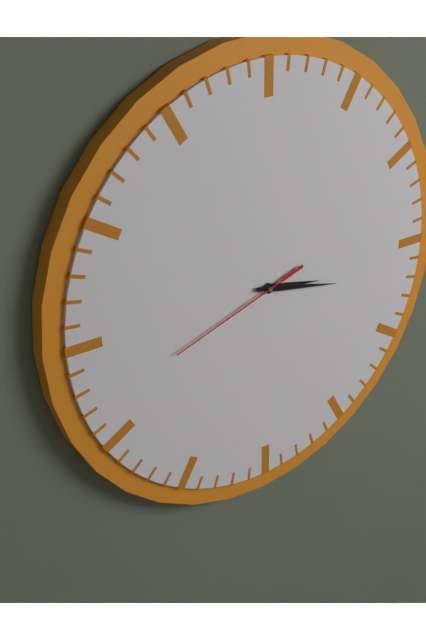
3:17:42
